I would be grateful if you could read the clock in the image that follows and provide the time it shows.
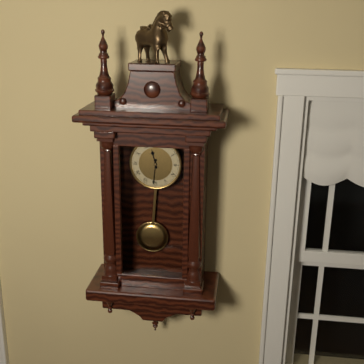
11:31
